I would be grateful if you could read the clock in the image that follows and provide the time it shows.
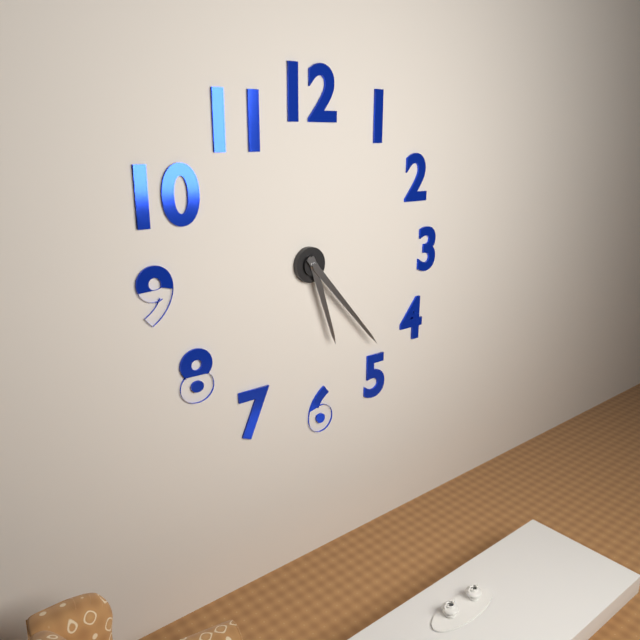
5:23
